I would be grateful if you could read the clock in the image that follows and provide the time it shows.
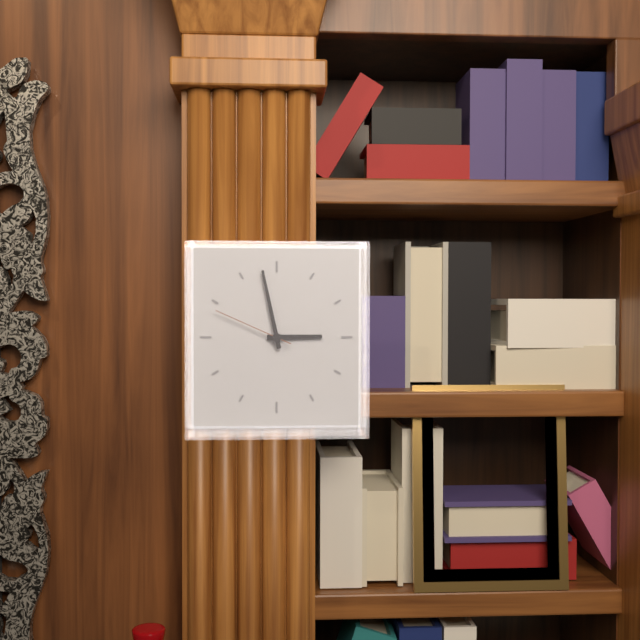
2:58:49
